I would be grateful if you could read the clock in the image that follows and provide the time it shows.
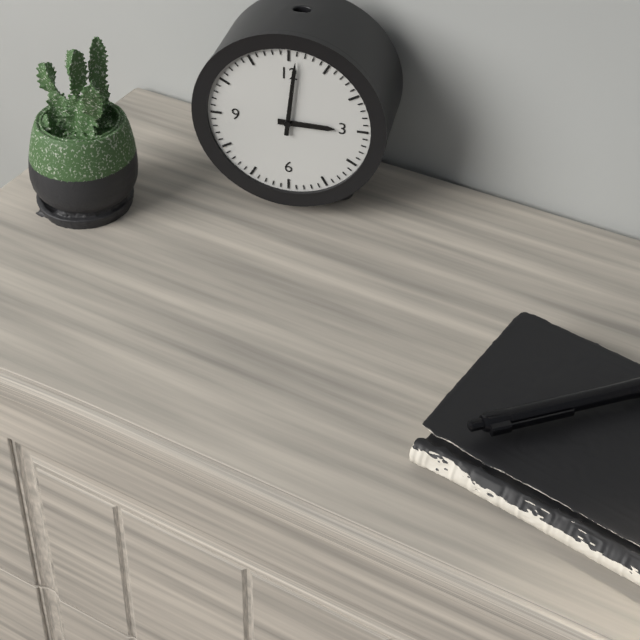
3:01
